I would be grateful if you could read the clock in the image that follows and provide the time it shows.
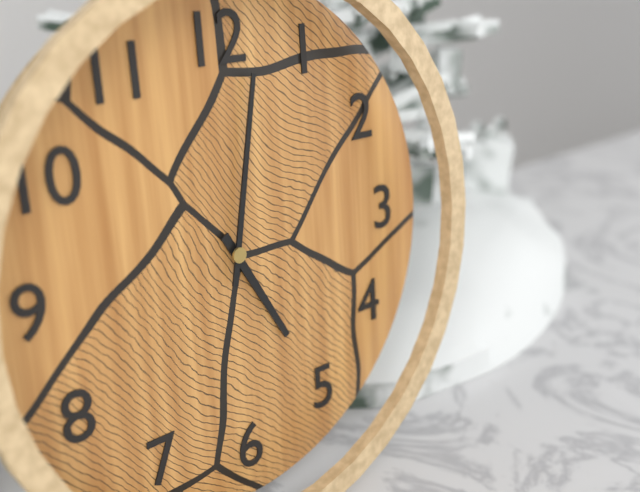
5:02
